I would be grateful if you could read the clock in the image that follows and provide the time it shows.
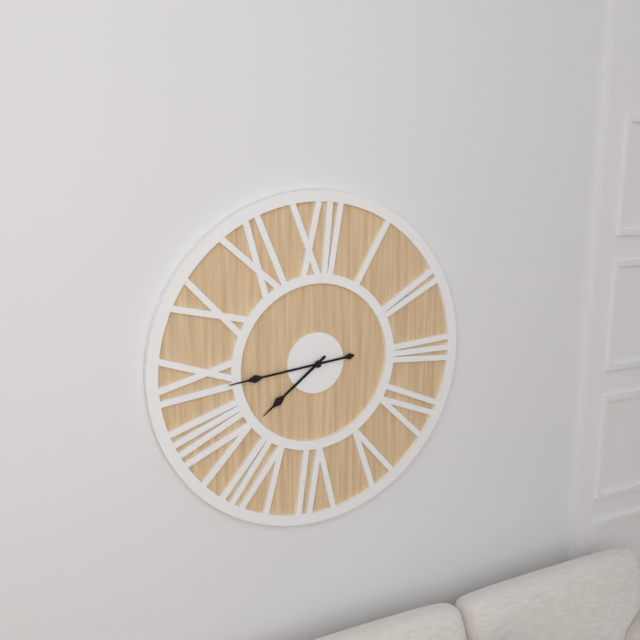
7:44
